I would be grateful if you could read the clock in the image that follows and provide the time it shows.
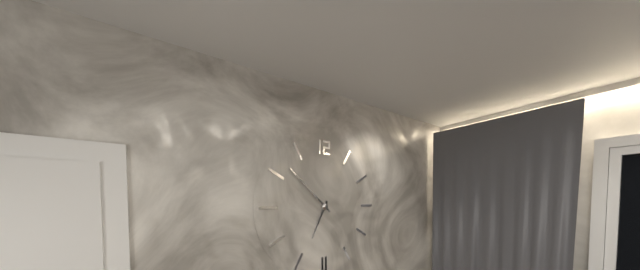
6:52
